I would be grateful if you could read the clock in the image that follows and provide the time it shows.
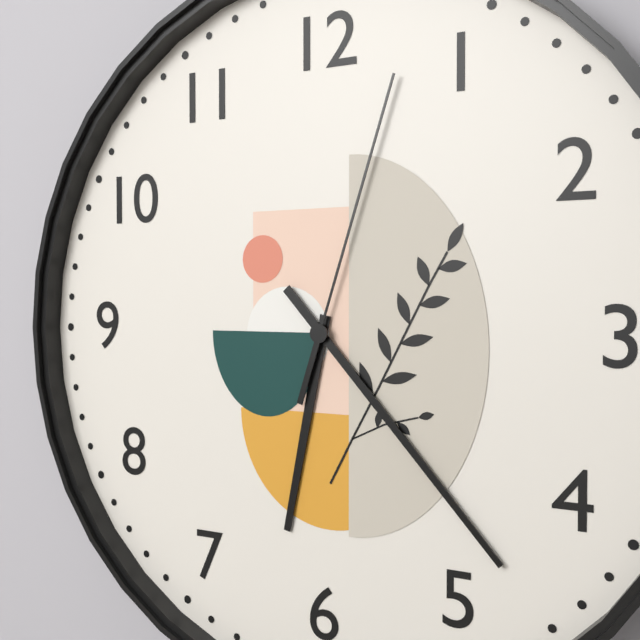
6:23:03
